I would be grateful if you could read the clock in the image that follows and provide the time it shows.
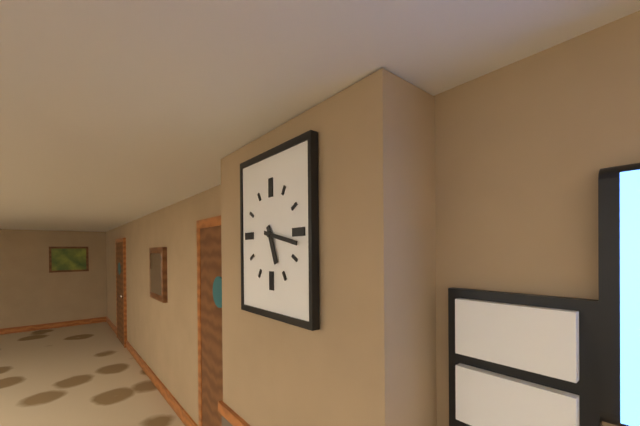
5:17
